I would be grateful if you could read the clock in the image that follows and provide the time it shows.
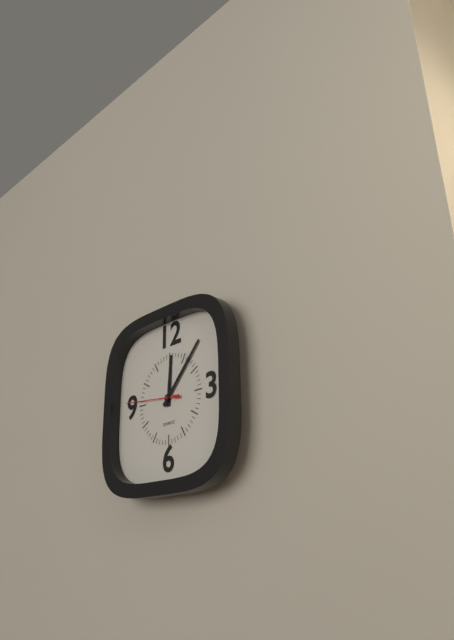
12:07:46
